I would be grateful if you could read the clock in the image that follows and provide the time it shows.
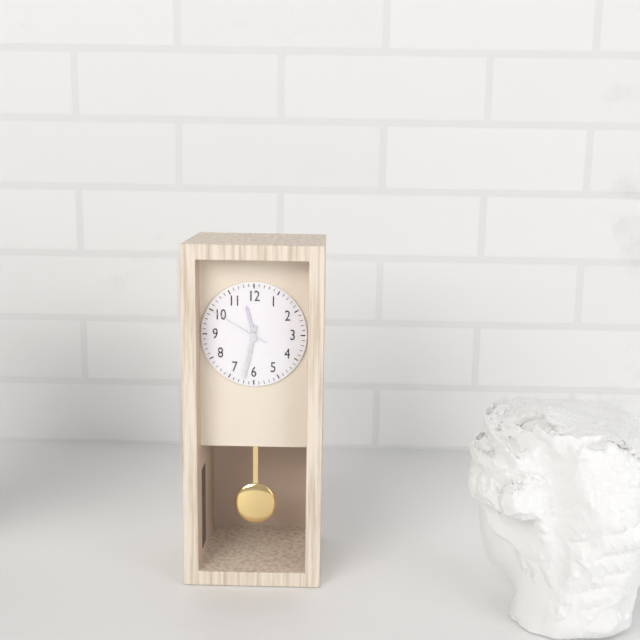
11:32:50
